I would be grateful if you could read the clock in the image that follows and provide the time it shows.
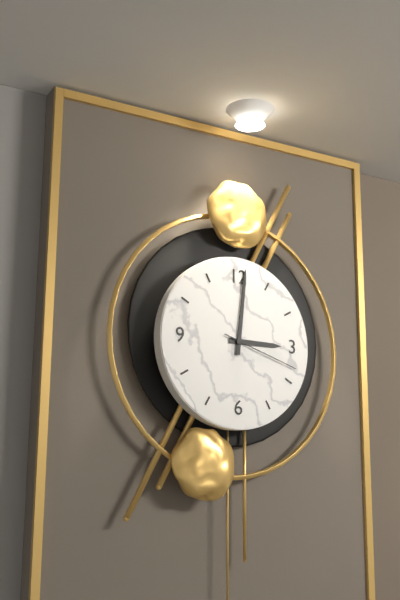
3:01:18
